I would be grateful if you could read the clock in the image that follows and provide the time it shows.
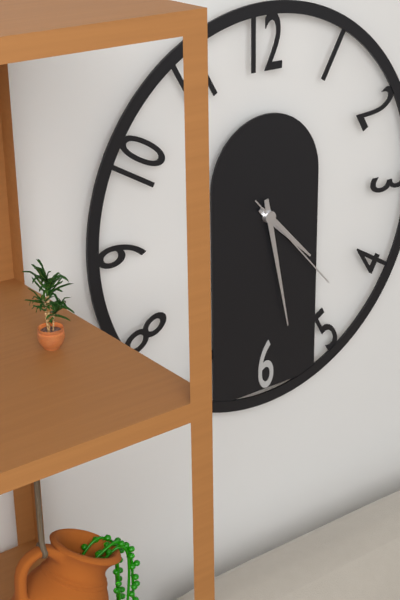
4:28:23
